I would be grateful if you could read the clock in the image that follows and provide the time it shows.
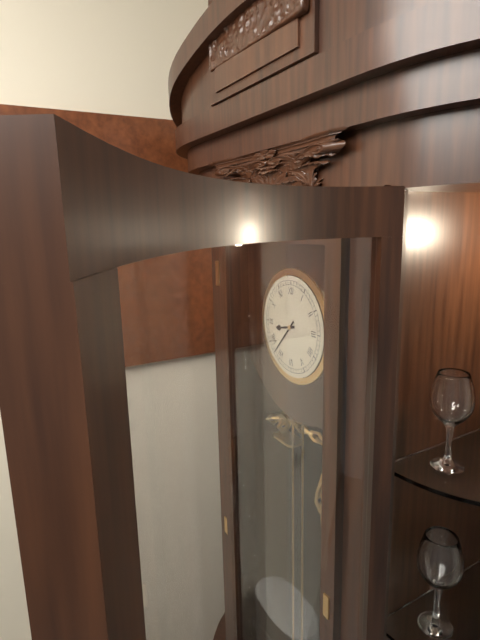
8:37
